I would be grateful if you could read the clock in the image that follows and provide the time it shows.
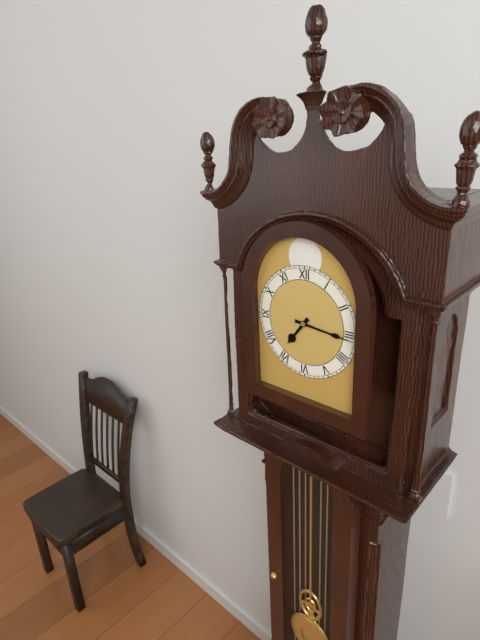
7:16
